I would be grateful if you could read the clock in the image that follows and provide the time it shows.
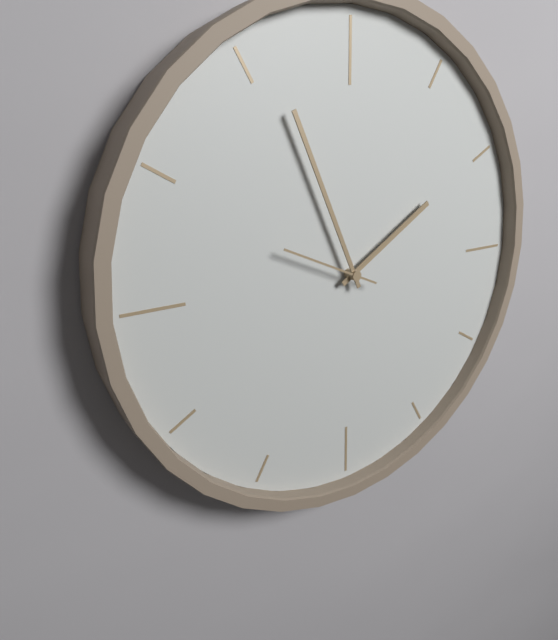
1:56:49
